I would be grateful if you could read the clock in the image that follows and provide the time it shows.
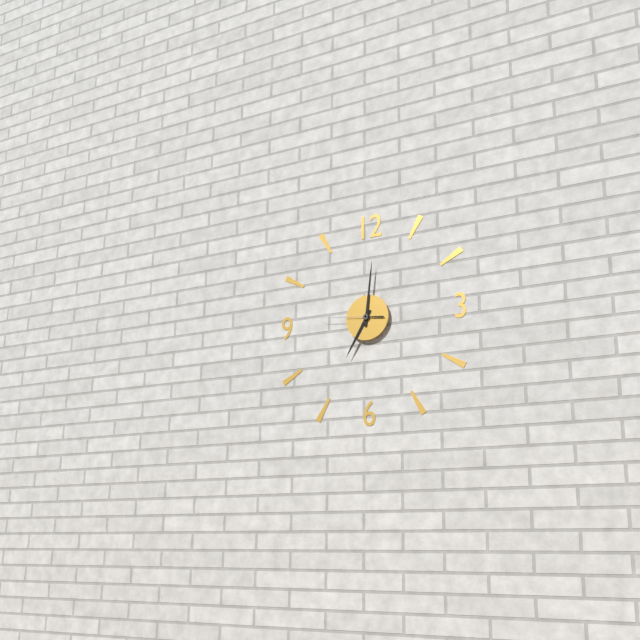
7:01:46
